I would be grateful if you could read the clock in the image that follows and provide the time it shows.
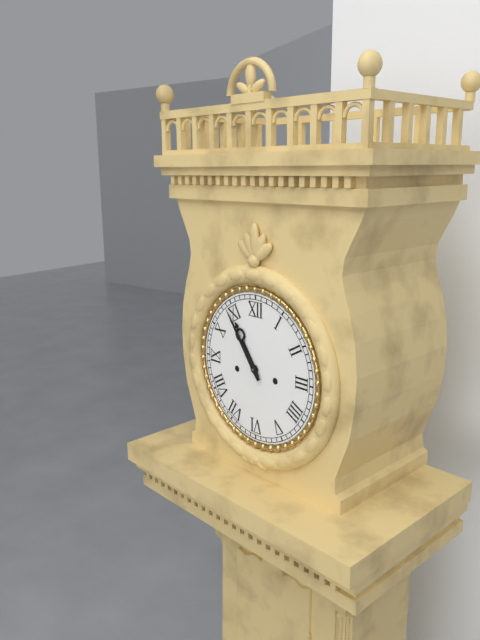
10:54
